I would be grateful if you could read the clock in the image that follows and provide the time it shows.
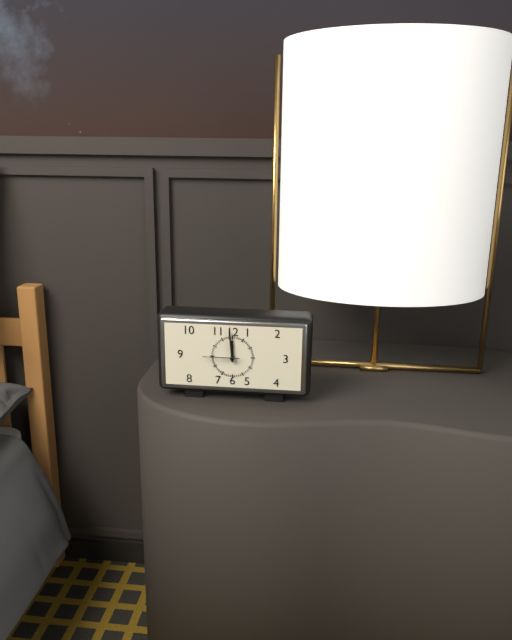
11:59
